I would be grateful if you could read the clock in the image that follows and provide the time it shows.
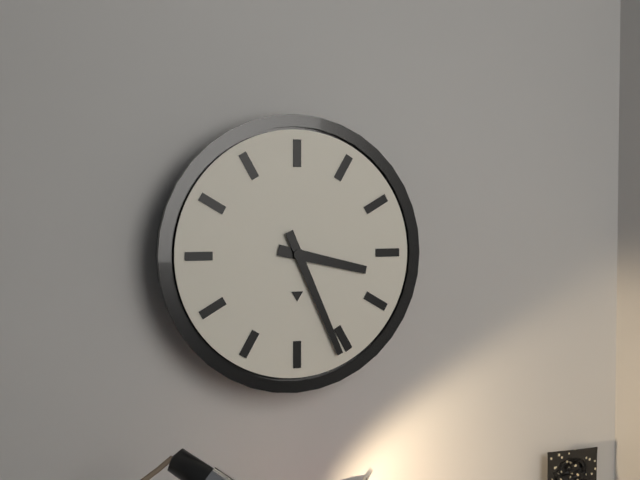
3:26
